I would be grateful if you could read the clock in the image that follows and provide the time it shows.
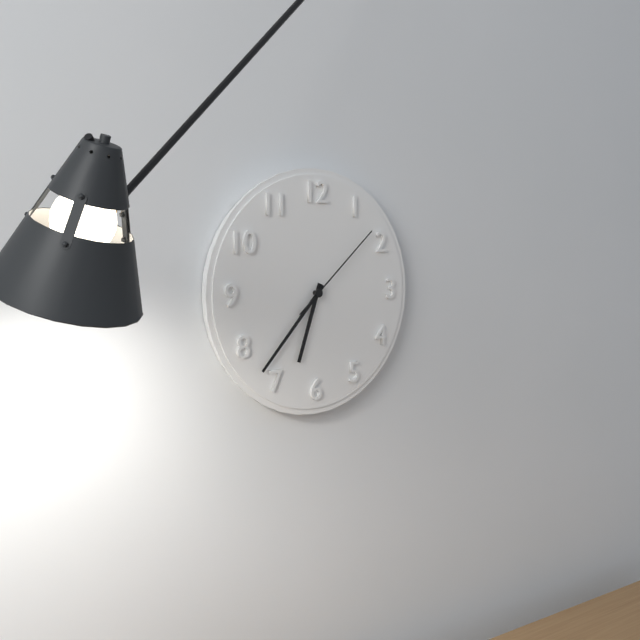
6:37:08
